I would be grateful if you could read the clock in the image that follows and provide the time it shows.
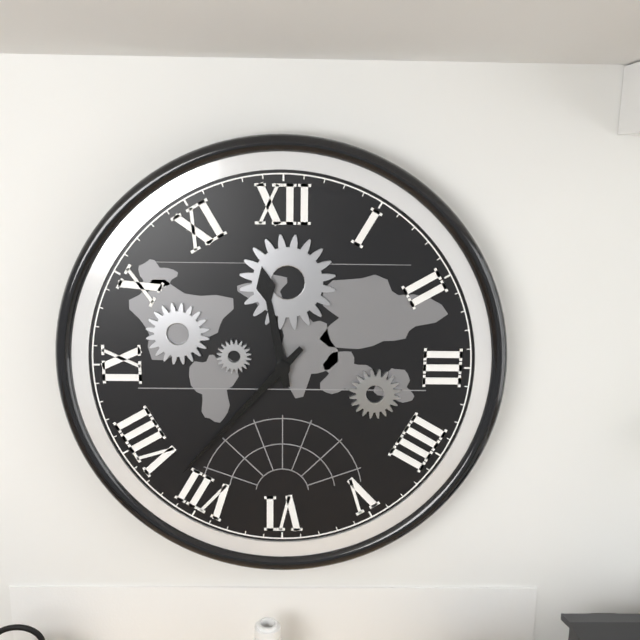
11:37
